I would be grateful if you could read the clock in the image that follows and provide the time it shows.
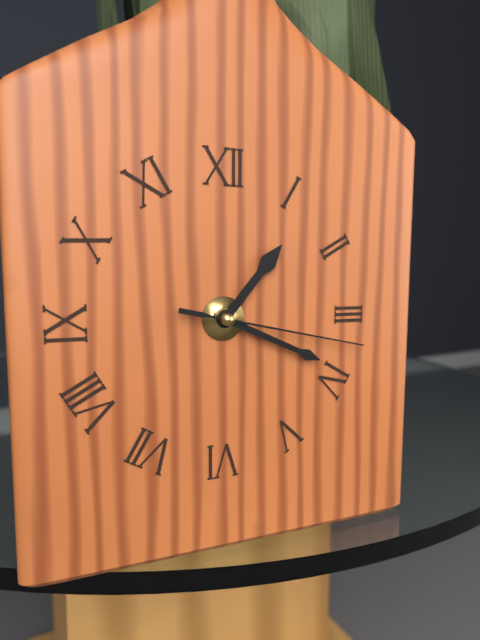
1:19:17
